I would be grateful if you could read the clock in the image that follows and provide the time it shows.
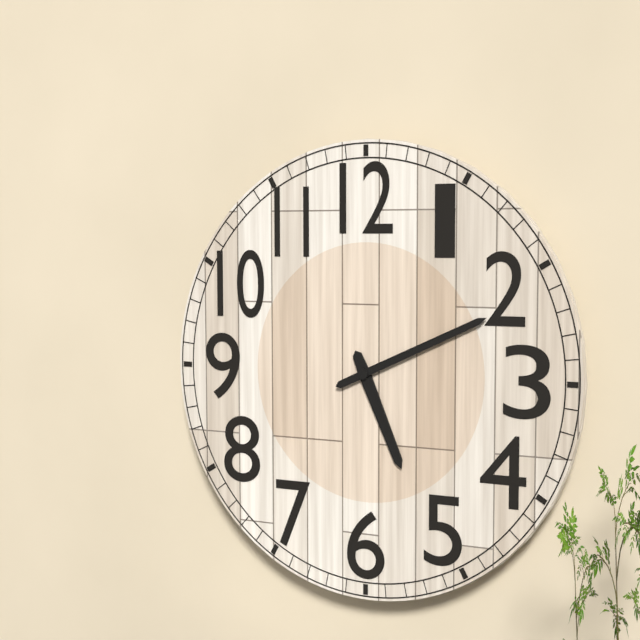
5:11
